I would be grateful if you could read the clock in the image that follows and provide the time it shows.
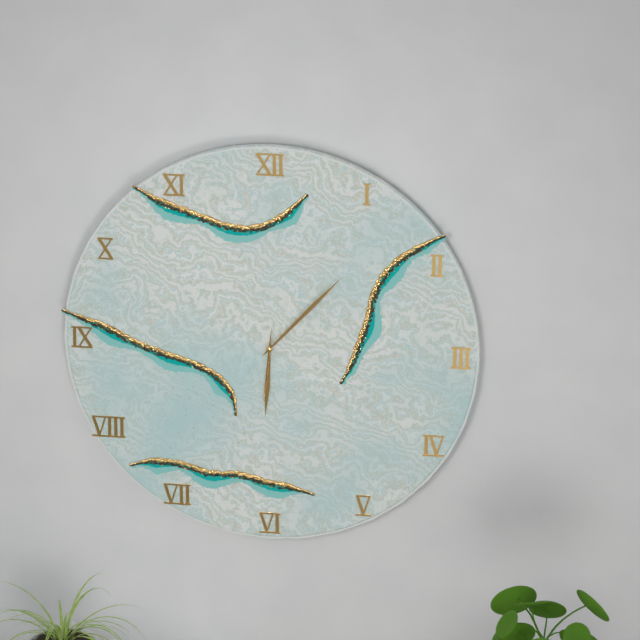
6:07:31
